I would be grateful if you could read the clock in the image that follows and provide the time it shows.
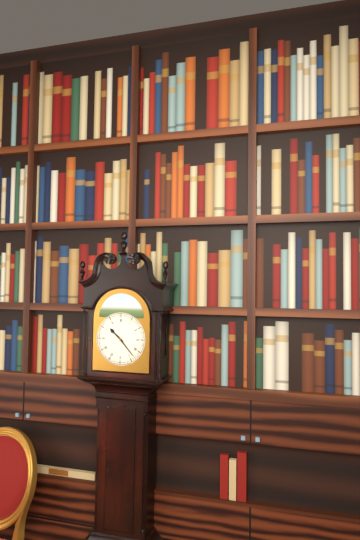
10:23
